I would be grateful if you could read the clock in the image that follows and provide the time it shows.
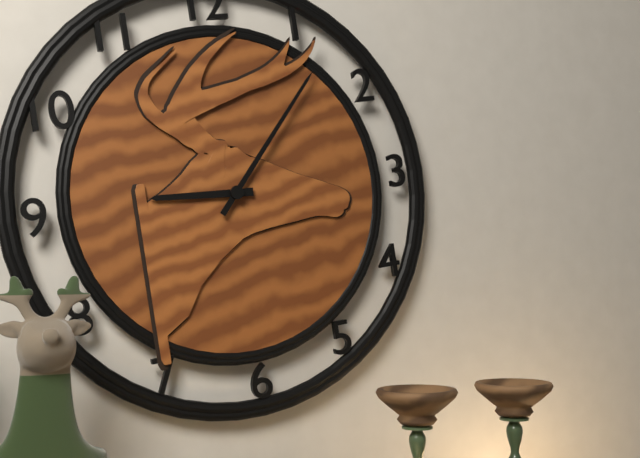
9:07
